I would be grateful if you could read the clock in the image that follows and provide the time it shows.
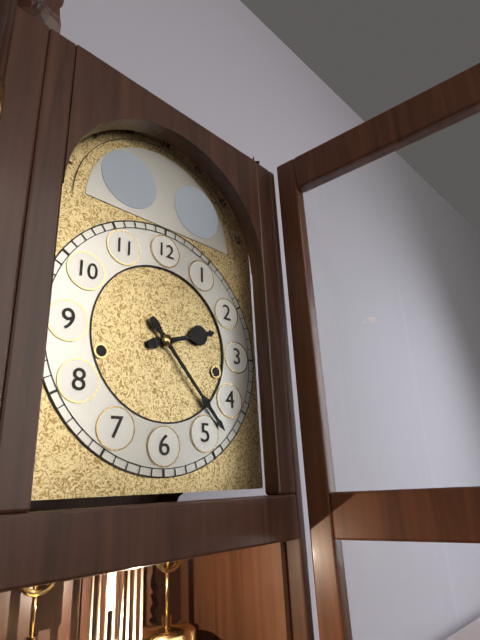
2:23
